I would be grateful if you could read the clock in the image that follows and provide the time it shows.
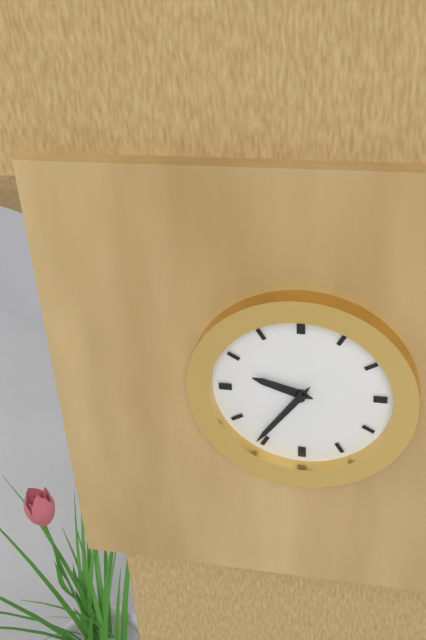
9:36
